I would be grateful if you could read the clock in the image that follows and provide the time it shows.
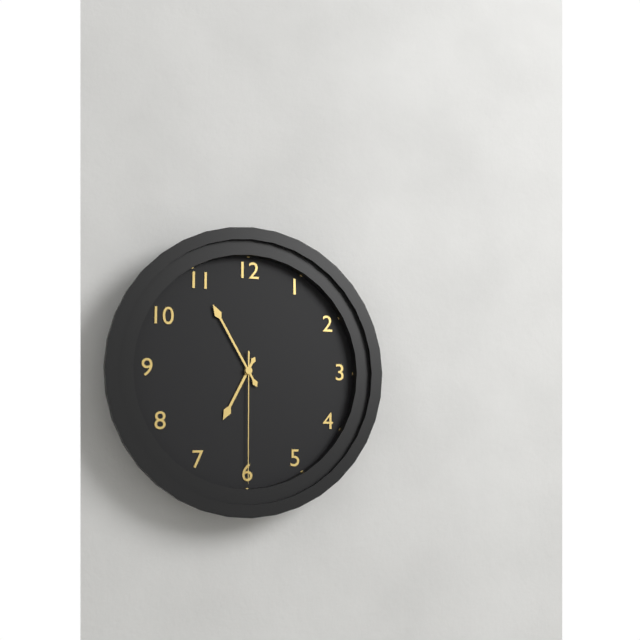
6:55:30
